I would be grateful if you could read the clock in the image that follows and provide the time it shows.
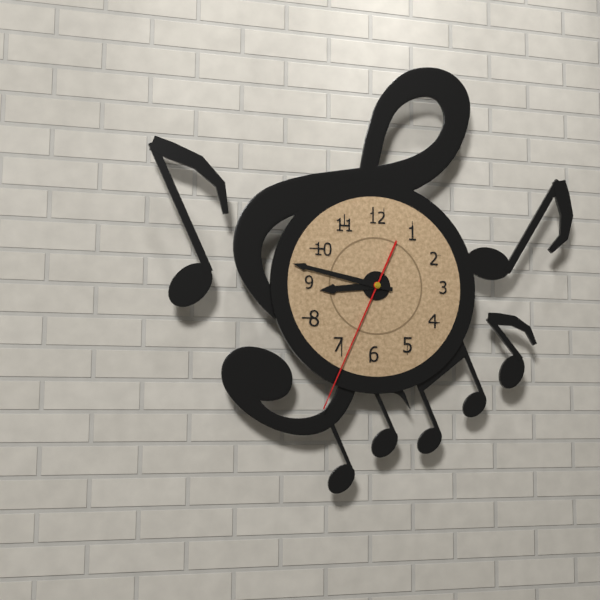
8:47:34
